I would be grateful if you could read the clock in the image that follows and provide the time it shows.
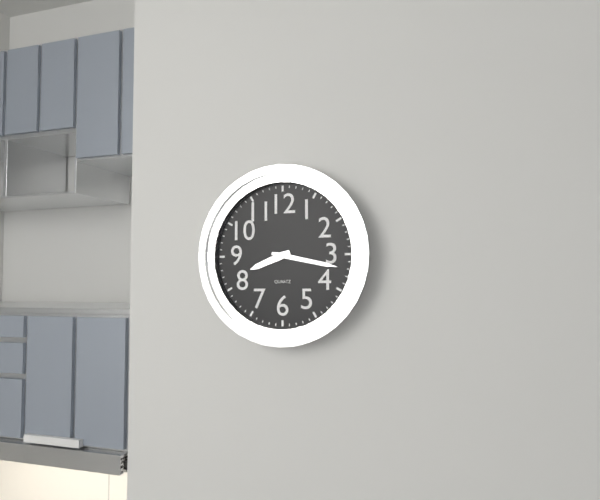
8:17
